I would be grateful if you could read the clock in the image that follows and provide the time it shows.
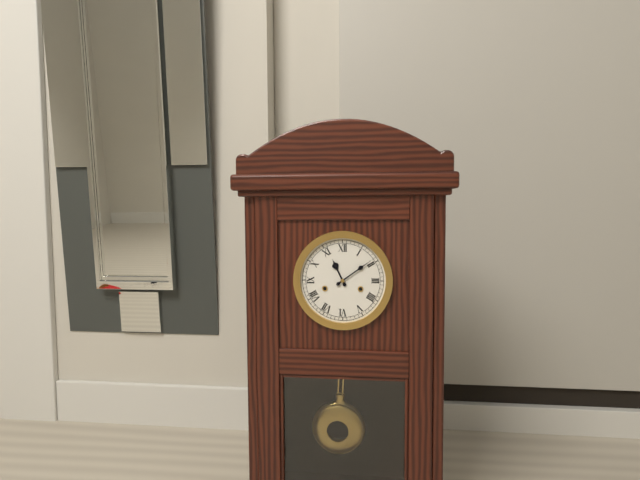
11:09
